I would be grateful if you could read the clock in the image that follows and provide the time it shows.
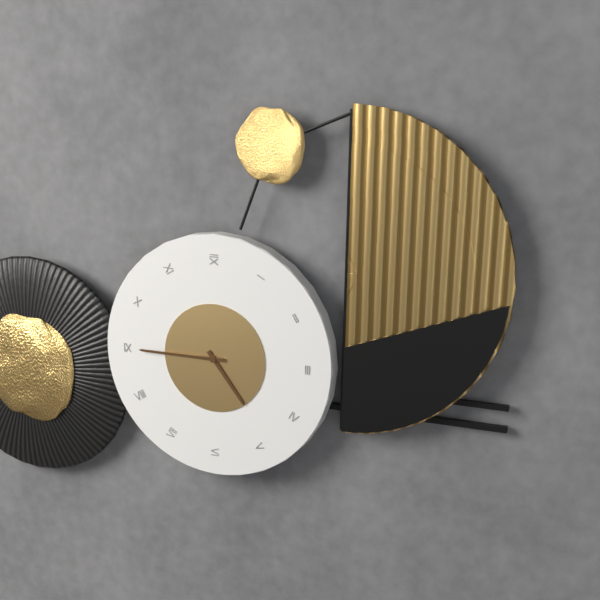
4:45
